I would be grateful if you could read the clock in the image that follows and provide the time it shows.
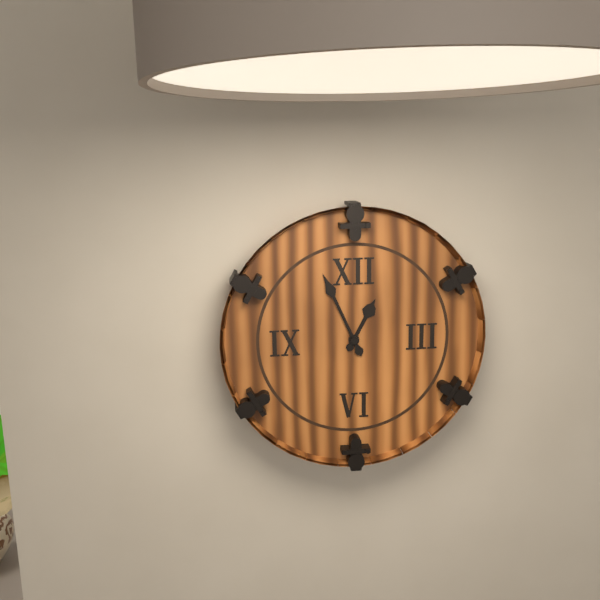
12:56
